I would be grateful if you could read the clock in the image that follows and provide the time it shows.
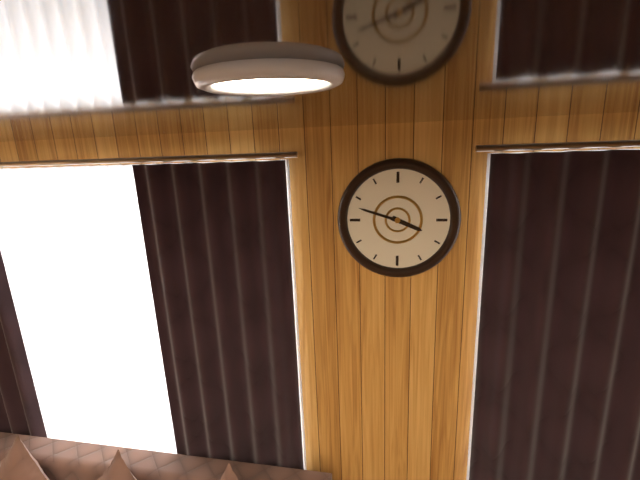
3:48
